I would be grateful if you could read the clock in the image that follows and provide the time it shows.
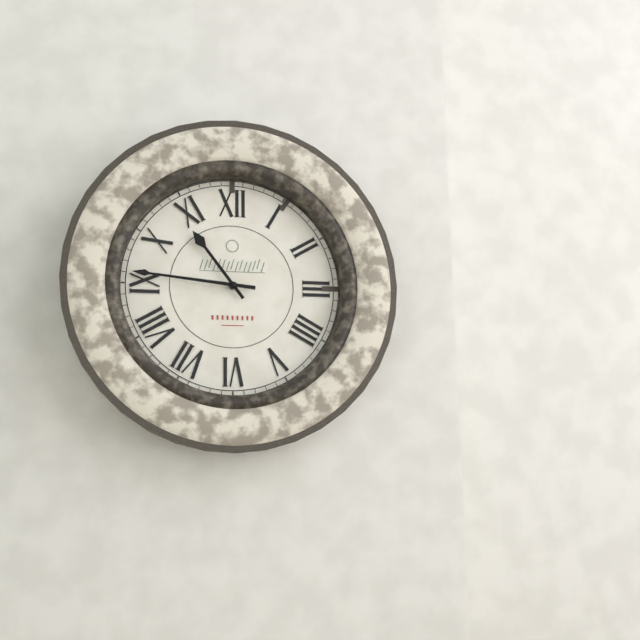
10:46
